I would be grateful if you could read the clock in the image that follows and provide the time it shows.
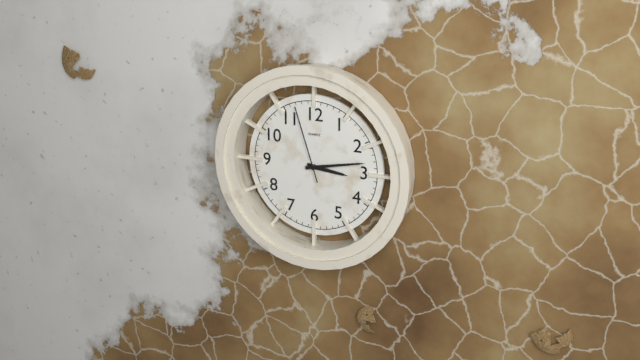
3:13:57
